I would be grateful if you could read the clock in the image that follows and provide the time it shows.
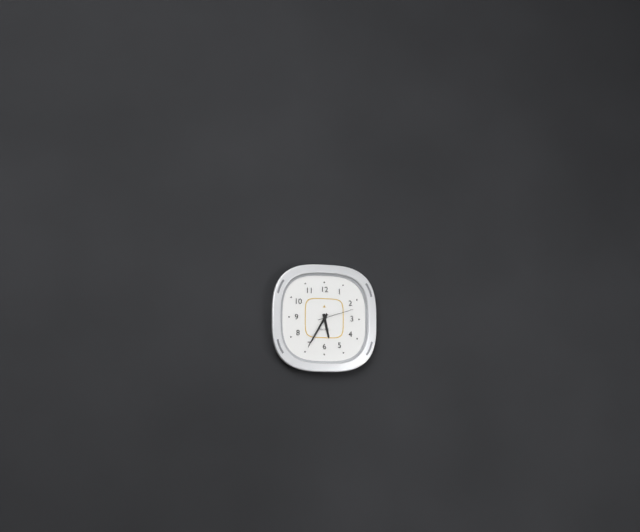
5:35
